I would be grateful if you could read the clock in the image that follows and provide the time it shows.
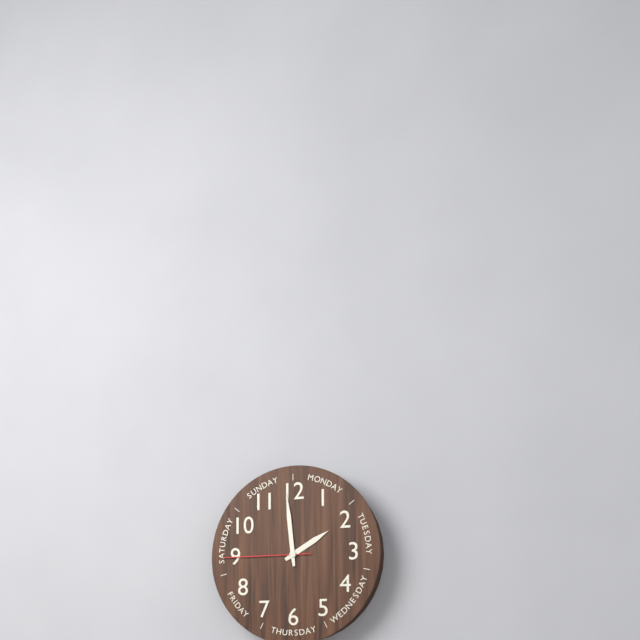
1:59:45
